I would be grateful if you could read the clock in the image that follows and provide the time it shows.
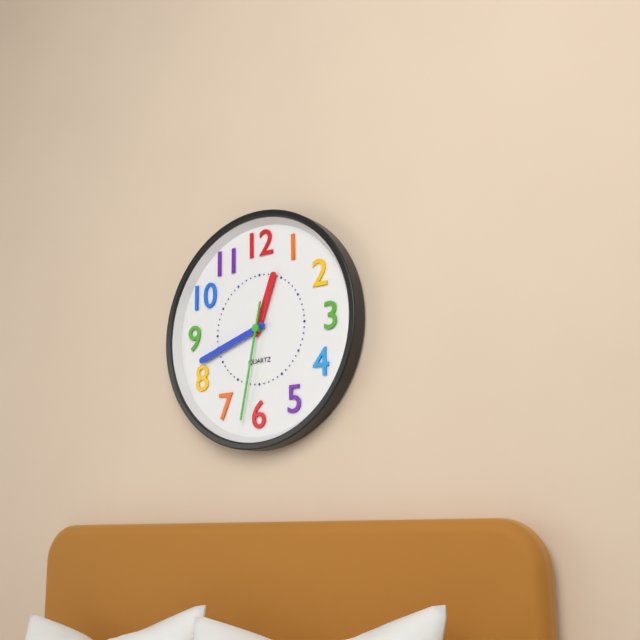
12:42:32
